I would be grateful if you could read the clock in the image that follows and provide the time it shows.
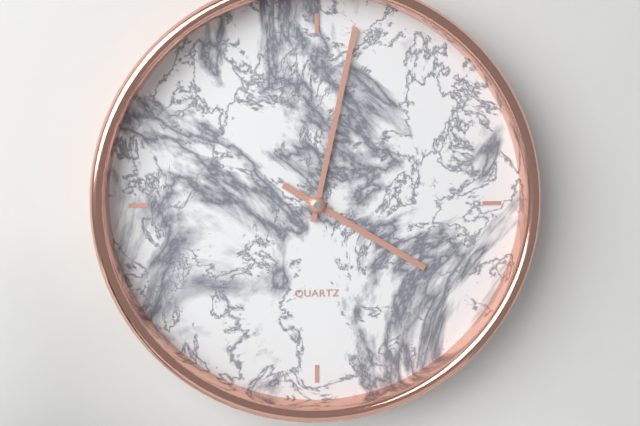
4:02
